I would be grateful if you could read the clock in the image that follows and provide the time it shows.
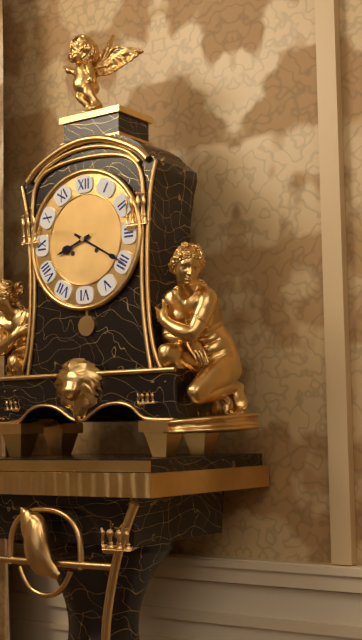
8:20
